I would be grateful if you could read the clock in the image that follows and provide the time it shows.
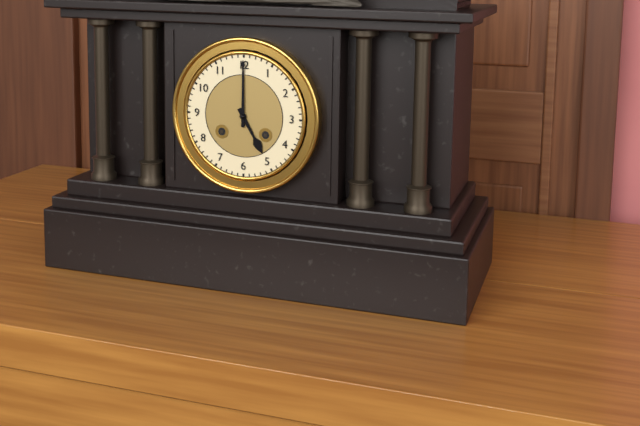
5:00
